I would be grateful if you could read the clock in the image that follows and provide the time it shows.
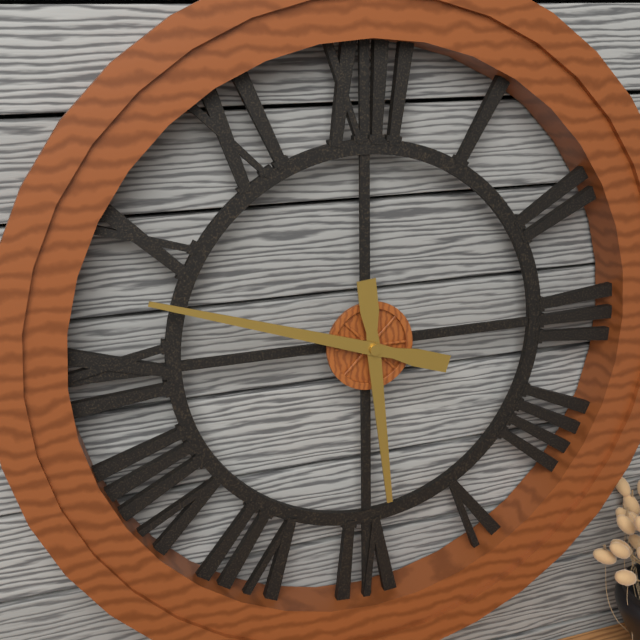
5:48
